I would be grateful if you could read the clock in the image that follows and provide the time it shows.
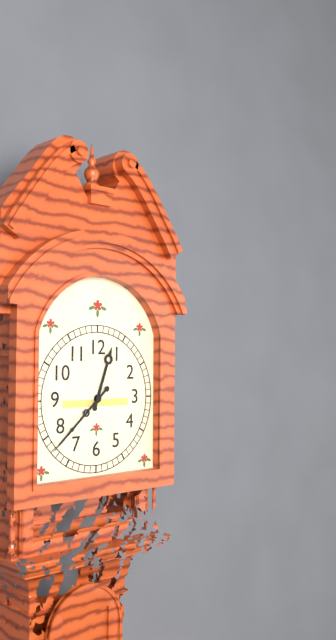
12:38
